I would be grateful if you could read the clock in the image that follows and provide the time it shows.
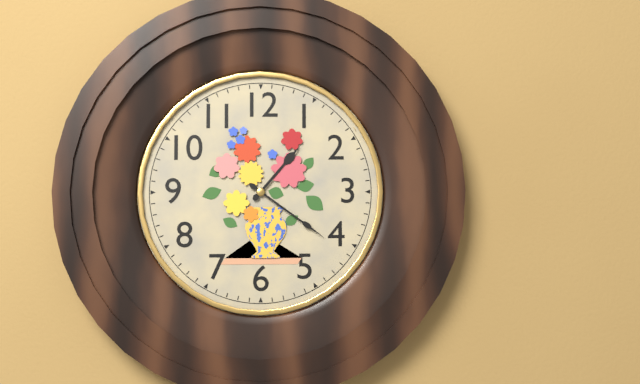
1:21
